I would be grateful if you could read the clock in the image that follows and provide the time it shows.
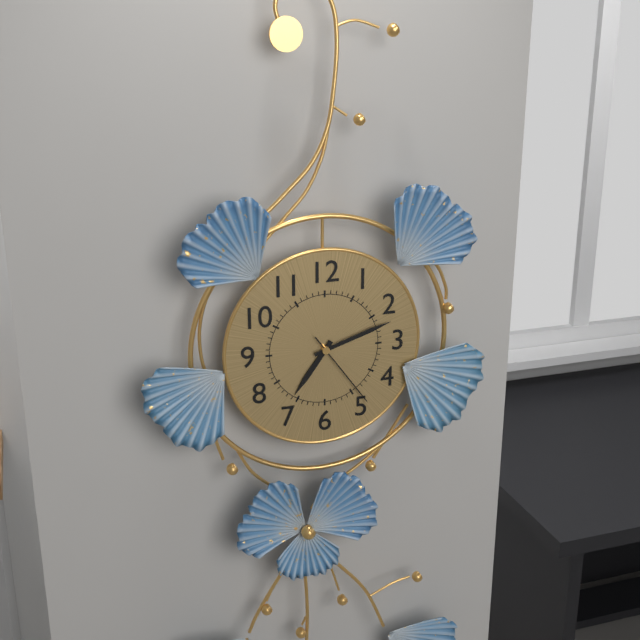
7:12:24
